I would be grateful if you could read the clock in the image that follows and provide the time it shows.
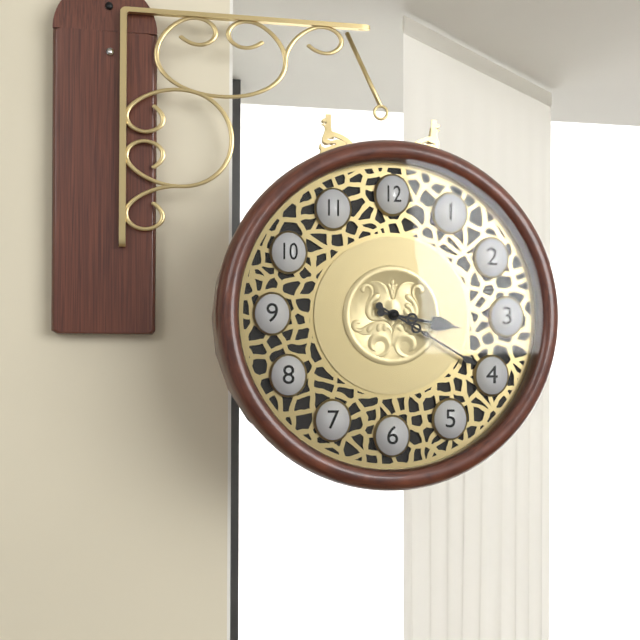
3:20
